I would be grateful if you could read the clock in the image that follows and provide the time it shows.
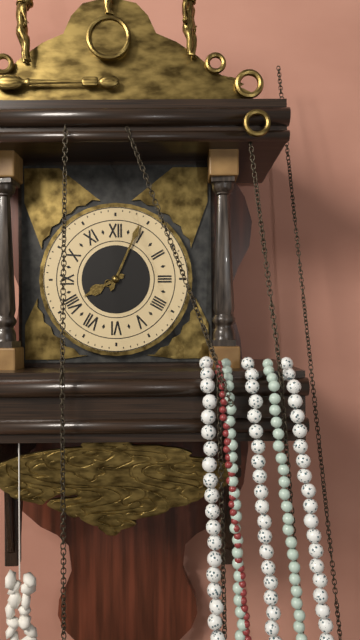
8:04
